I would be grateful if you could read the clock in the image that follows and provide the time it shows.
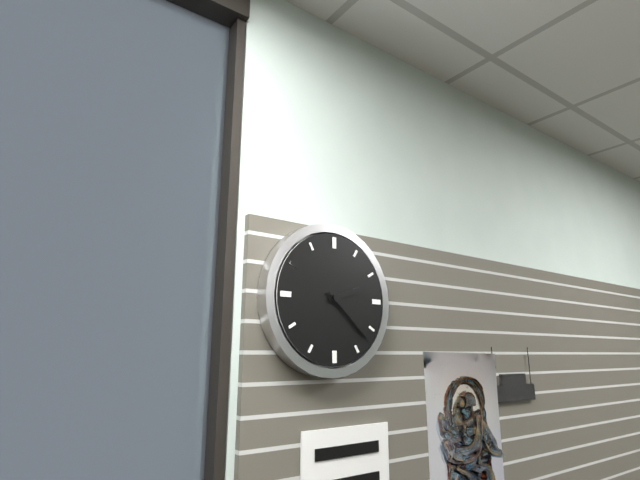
2:22
